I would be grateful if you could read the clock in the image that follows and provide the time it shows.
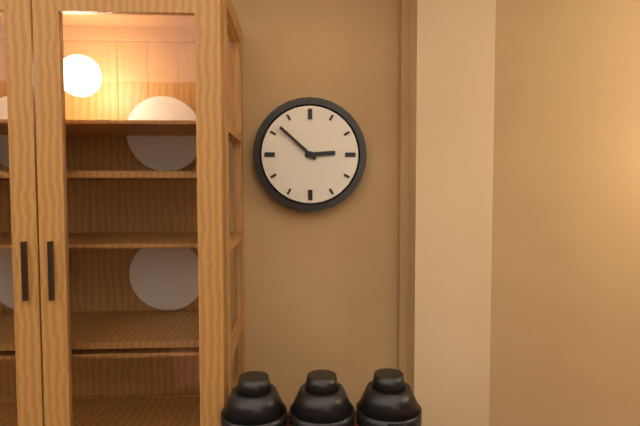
2:52
